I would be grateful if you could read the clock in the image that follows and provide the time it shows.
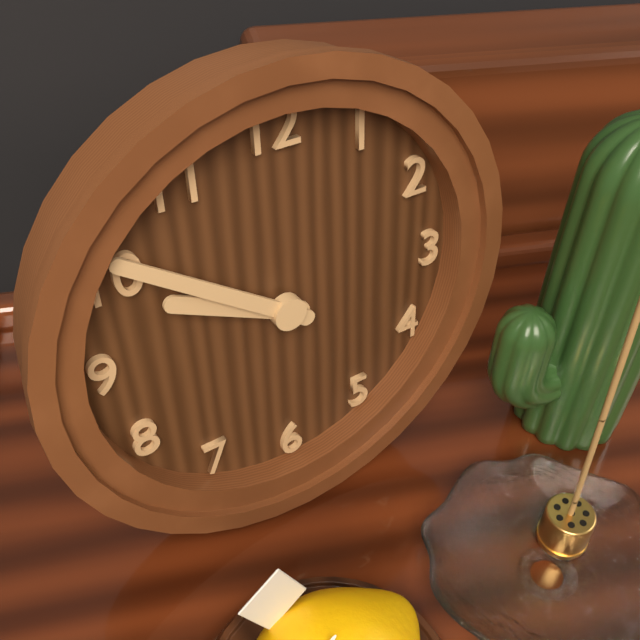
9:51
